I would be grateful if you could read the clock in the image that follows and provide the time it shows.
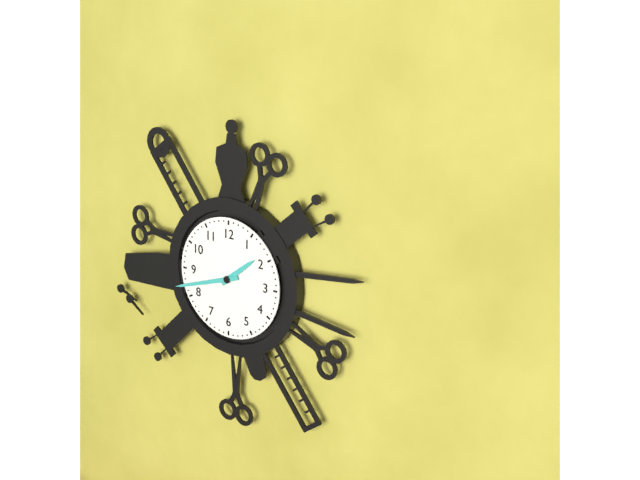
1:42
